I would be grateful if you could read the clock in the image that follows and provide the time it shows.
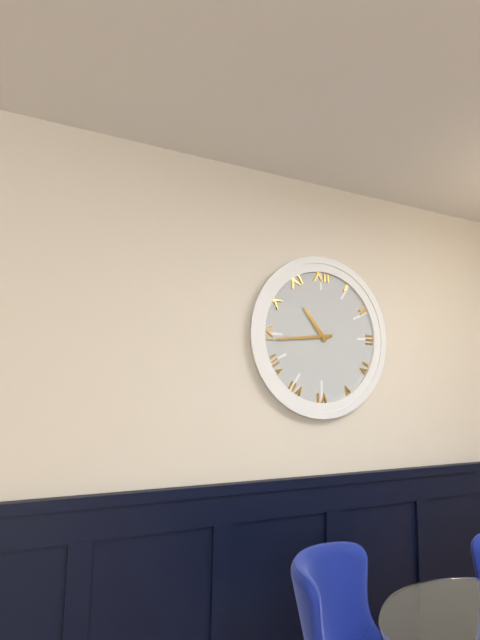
10:44
